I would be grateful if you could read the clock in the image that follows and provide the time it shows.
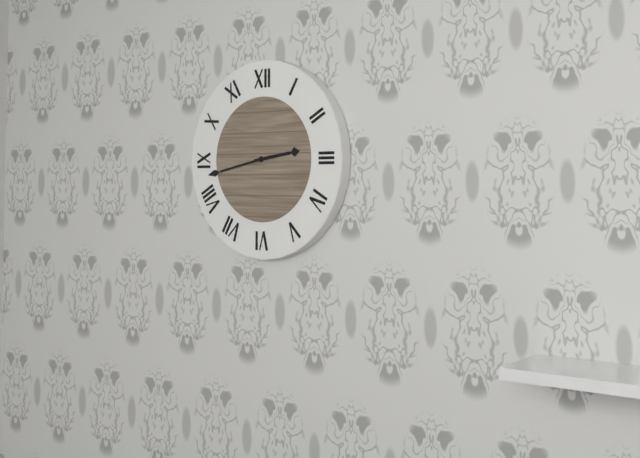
2:43
